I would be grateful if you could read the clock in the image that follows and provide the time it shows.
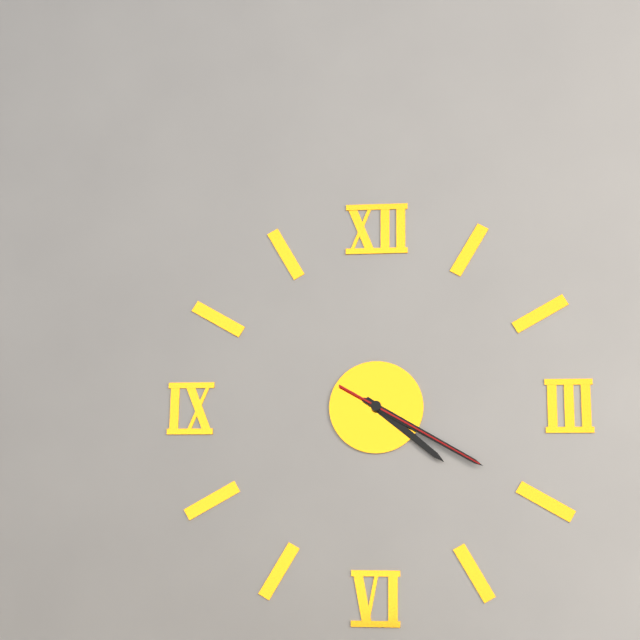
4:20:20
